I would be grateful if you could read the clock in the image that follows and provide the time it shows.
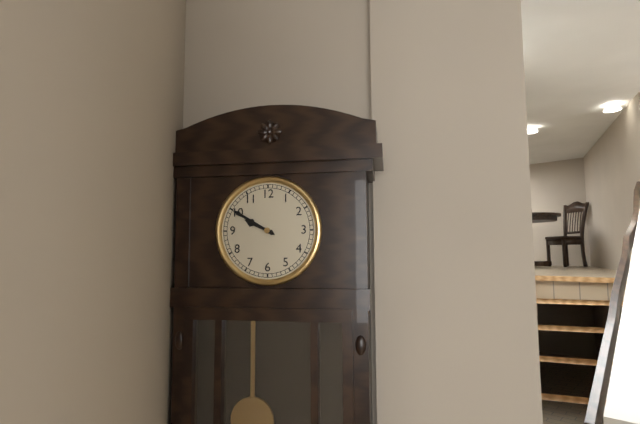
9:50
